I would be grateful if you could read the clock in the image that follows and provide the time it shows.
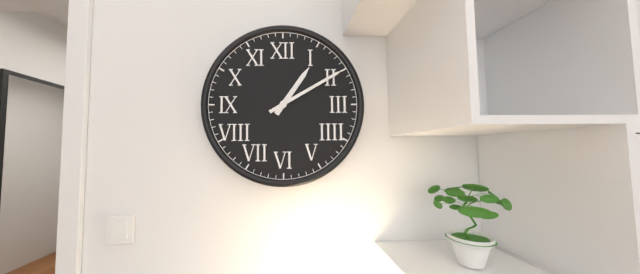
1:10
